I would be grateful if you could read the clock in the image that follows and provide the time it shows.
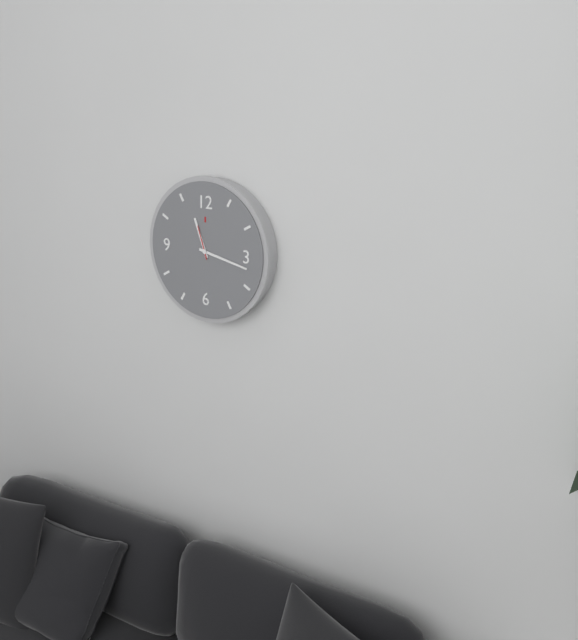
11:17
